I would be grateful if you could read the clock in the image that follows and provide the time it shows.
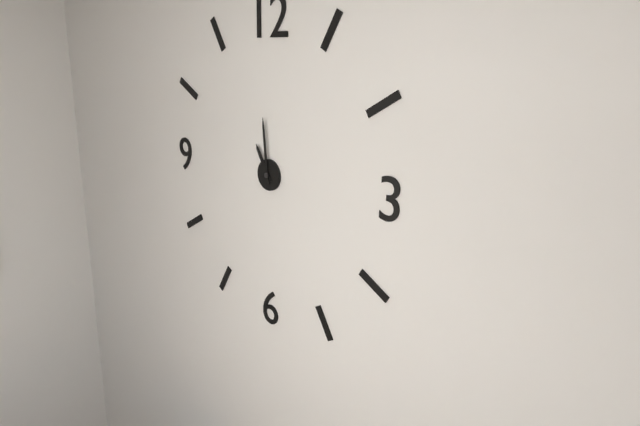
10:59
